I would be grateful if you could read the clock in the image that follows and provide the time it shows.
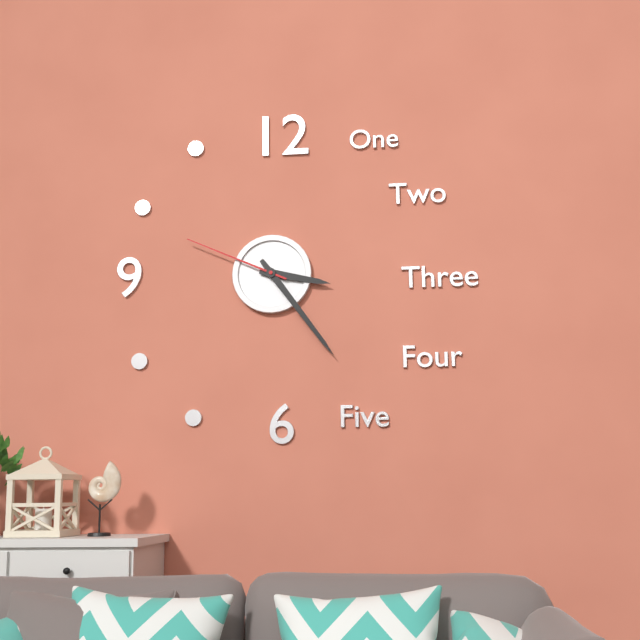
3:24:49
